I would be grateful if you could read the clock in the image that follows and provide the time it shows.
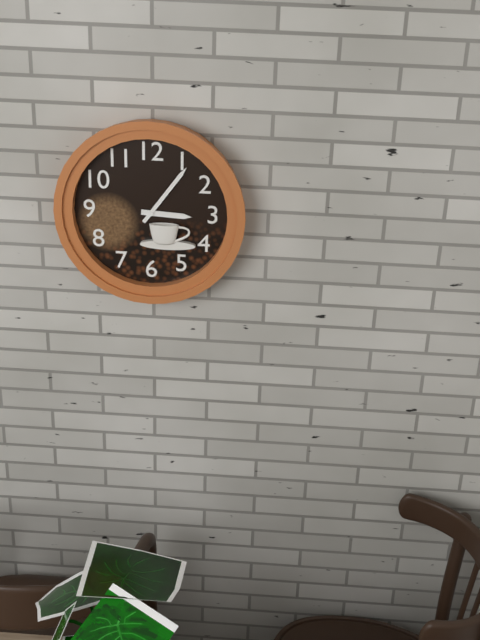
3:06
